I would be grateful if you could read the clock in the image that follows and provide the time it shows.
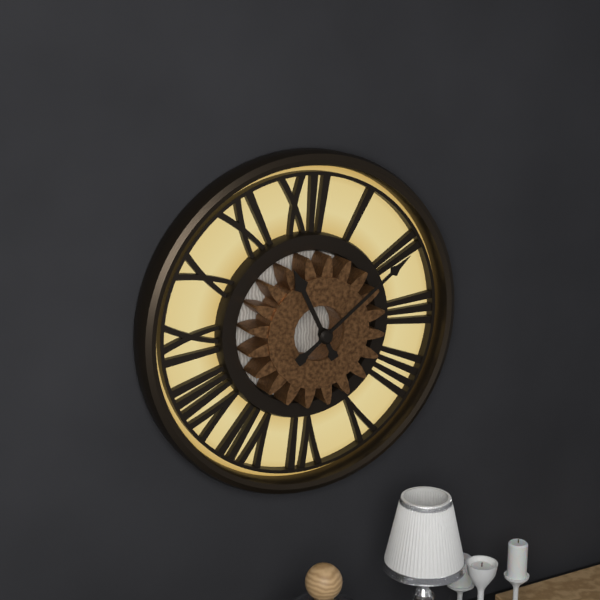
11:09
